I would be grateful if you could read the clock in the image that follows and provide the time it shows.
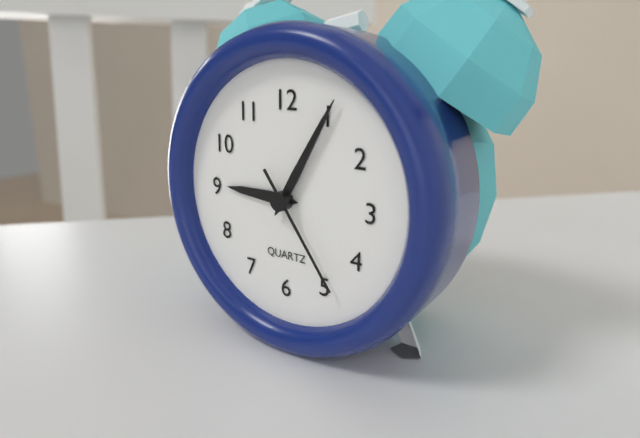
9:05:24
